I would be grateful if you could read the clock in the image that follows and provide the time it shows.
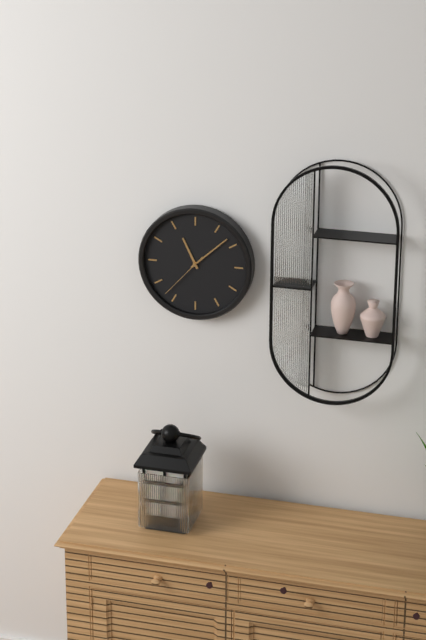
11:08:37
